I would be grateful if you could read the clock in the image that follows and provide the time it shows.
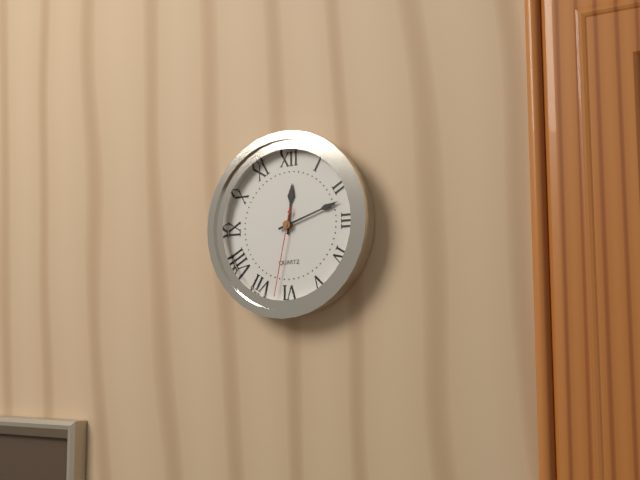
12:12:32
